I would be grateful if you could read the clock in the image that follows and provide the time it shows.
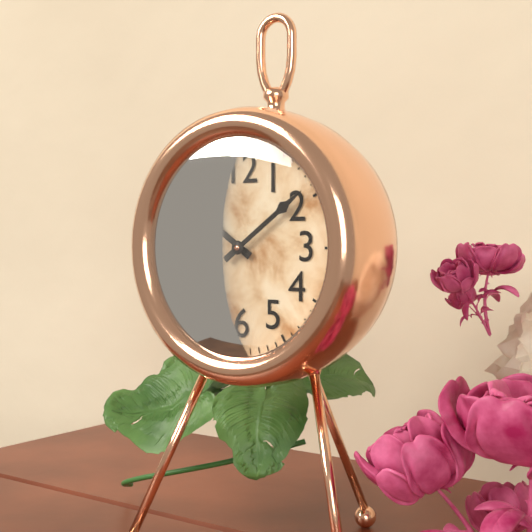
10:09
